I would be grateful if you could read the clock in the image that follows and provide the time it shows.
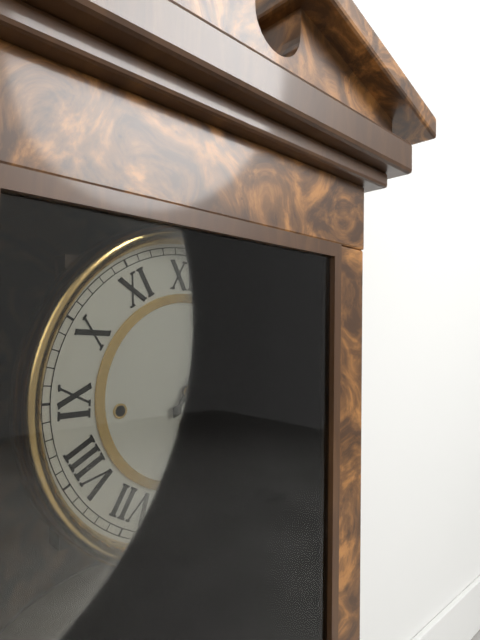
1:06
